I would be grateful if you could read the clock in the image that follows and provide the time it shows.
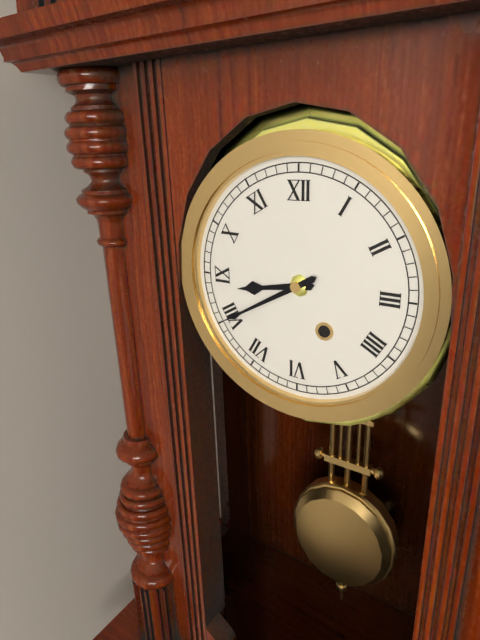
8:40
